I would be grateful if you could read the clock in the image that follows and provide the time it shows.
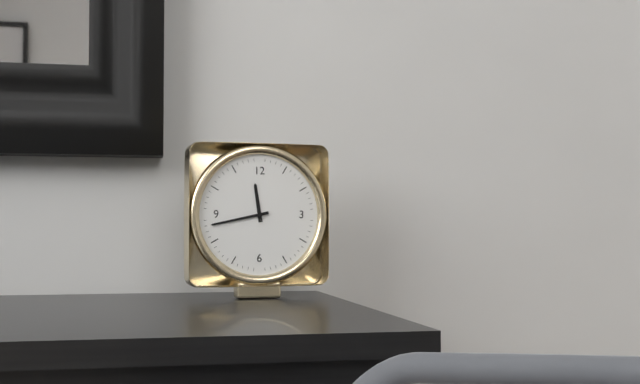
11:43
